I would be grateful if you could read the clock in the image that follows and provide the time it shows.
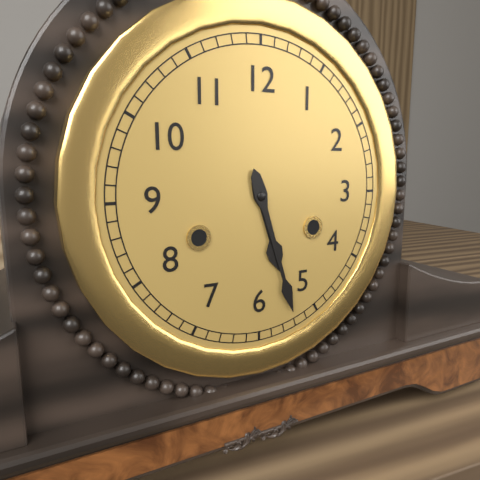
5:27
